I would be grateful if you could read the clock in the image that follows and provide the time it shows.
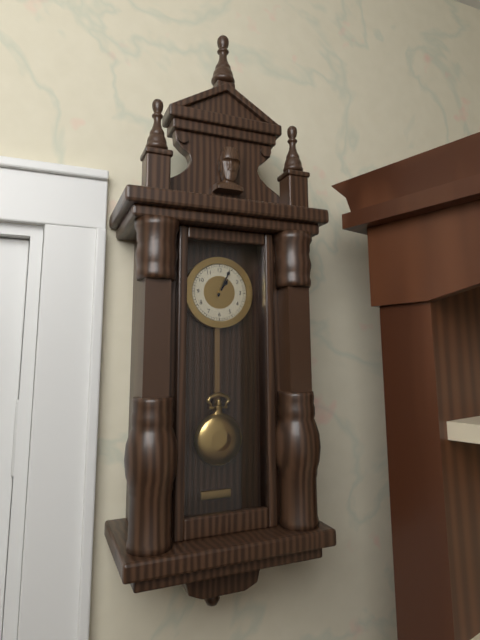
1:04
